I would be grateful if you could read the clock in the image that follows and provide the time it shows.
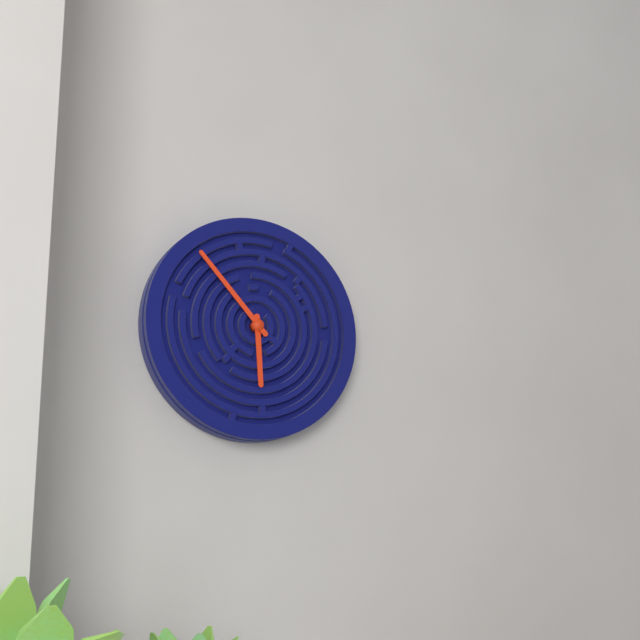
5:53
